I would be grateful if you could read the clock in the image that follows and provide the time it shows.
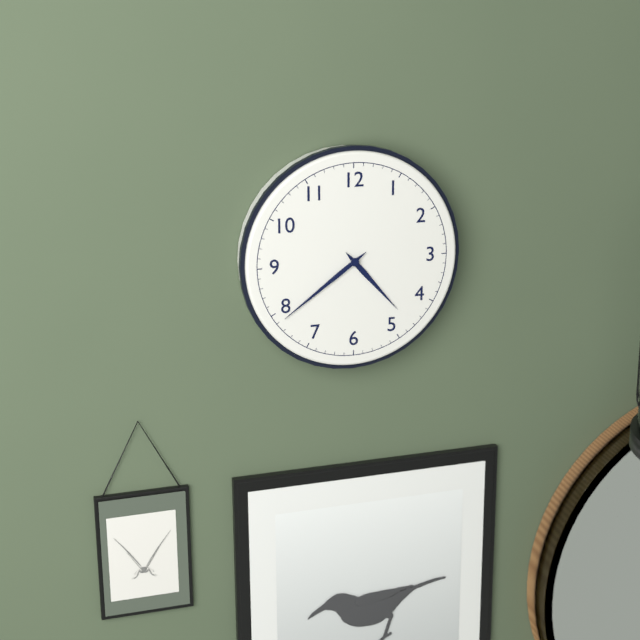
4:39
